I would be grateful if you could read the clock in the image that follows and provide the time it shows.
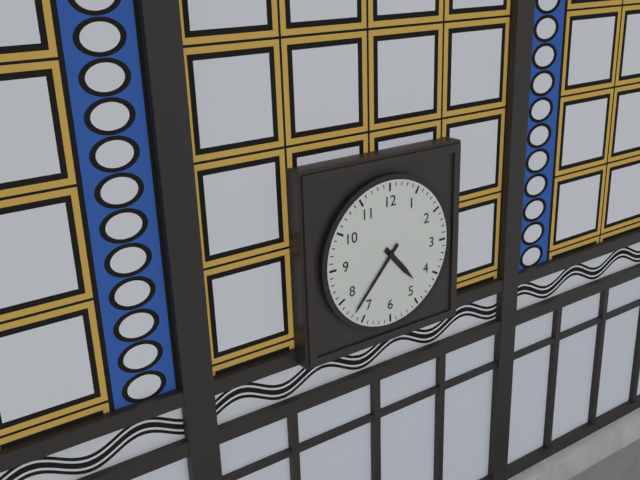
4:37
